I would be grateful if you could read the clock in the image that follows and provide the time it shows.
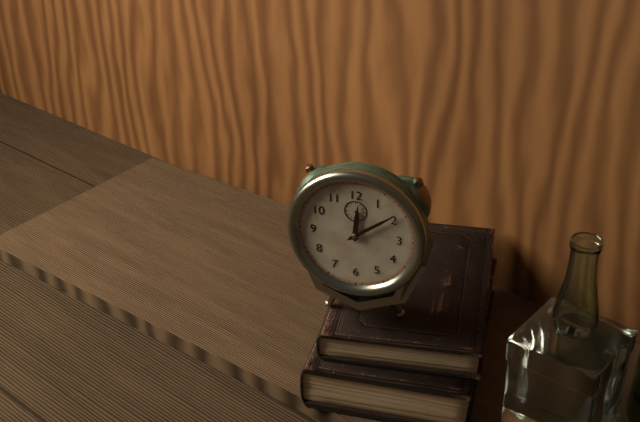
12:09
